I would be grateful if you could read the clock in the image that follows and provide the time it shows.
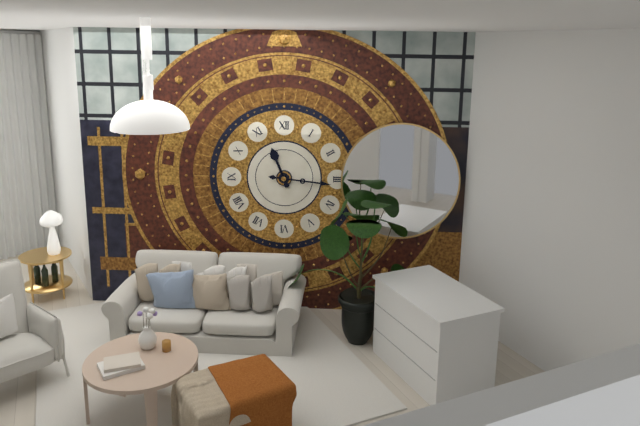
11:16
